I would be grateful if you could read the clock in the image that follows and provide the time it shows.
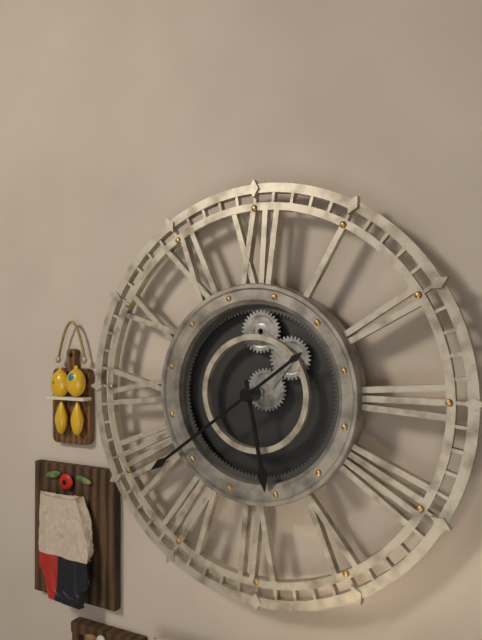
5:39
